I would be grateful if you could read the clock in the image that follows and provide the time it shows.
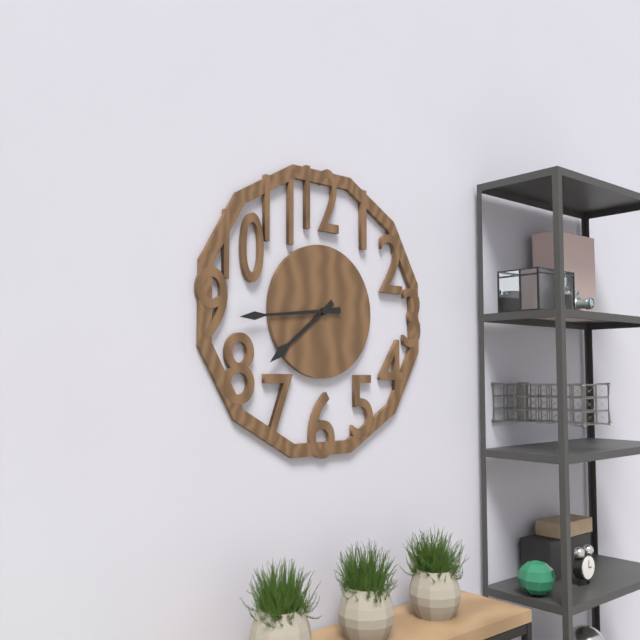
7:44
